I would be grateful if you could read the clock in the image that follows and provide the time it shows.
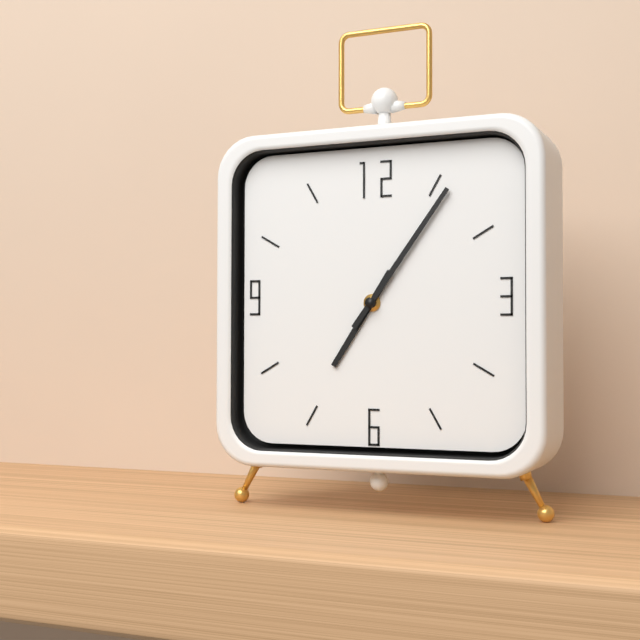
7:06
